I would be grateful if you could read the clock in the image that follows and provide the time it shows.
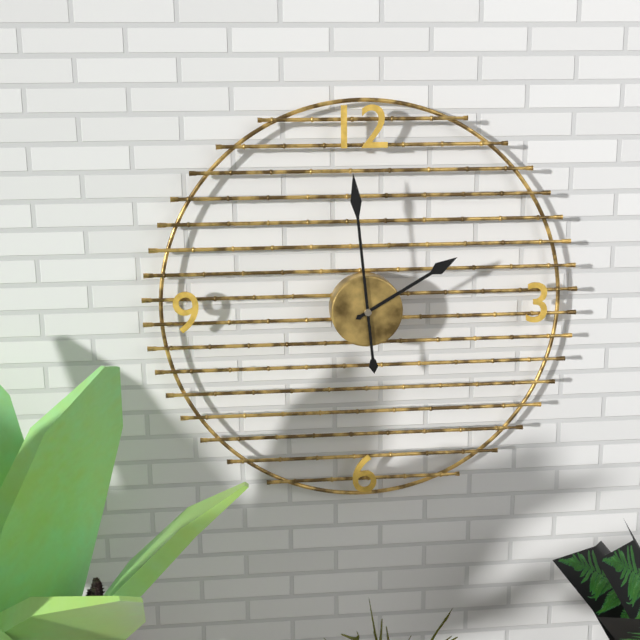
1:59
